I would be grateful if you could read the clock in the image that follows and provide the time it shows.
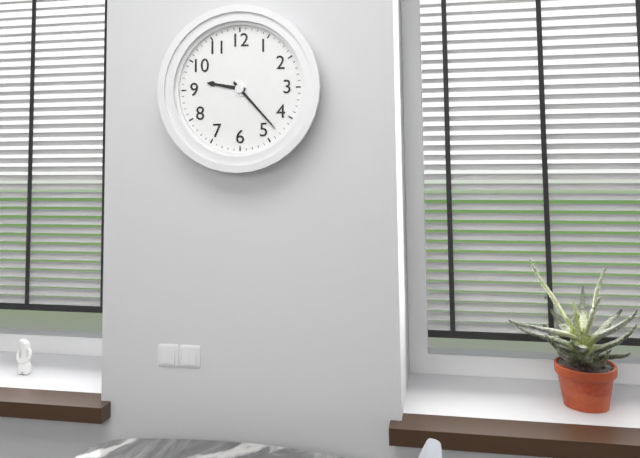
9:23
